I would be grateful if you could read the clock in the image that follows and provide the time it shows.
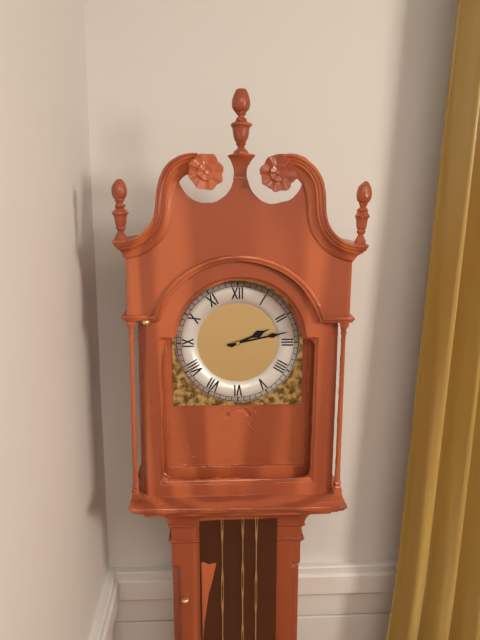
2:13
